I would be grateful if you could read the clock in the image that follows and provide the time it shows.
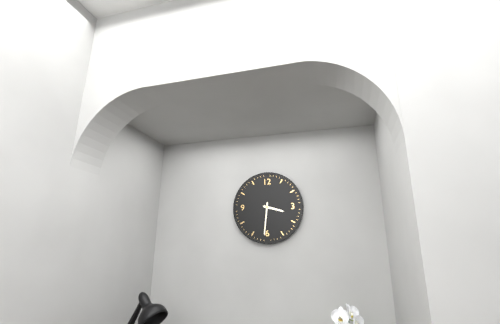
3:31
